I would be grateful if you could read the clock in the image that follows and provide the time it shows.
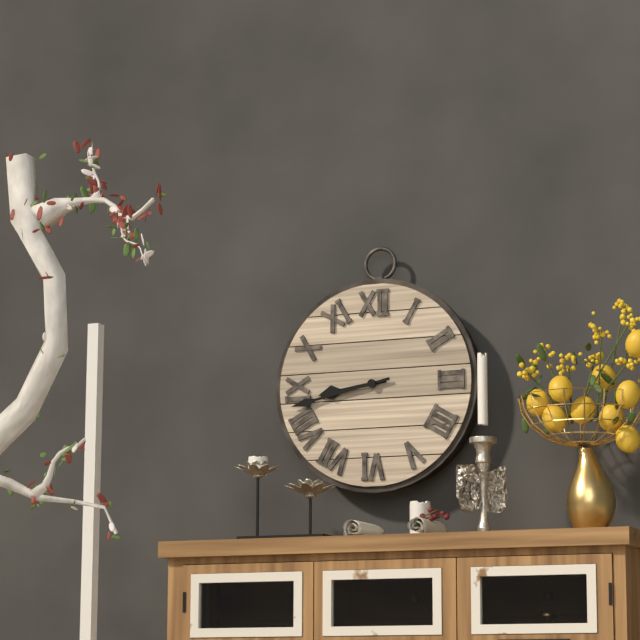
8:43
